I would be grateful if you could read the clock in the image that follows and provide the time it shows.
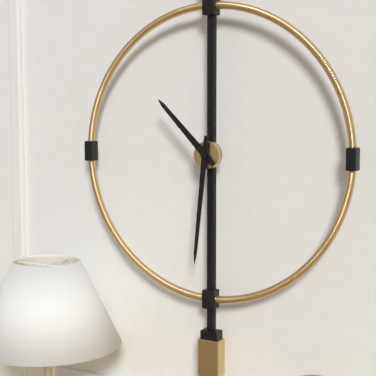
10:31
